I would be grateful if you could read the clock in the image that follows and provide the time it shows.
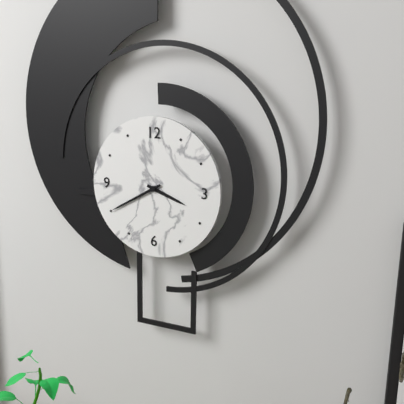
3:40
